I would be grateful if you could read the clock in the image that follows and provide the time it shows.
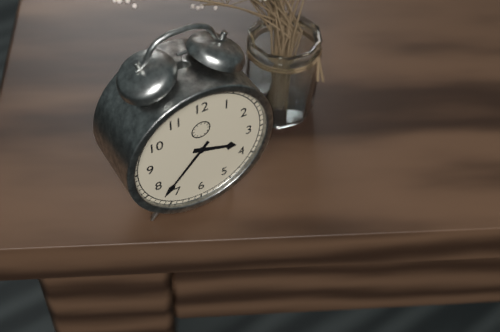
3:37
